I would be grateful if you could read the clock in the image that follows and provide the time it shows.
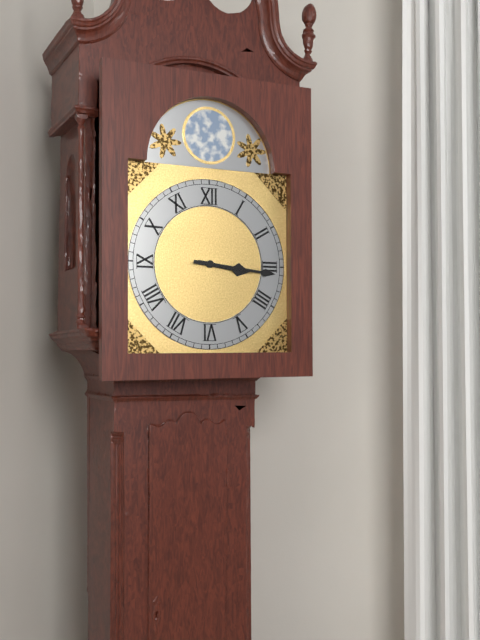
3:16
